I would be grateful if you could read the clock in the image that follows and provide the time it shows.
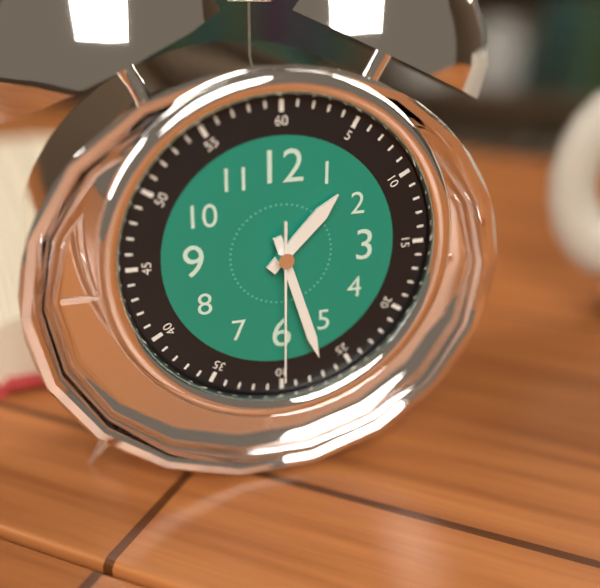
1:27:30
